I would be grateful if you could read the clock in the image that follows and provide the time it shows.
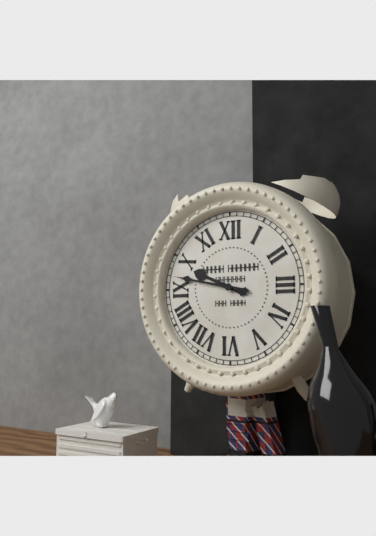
9:47
